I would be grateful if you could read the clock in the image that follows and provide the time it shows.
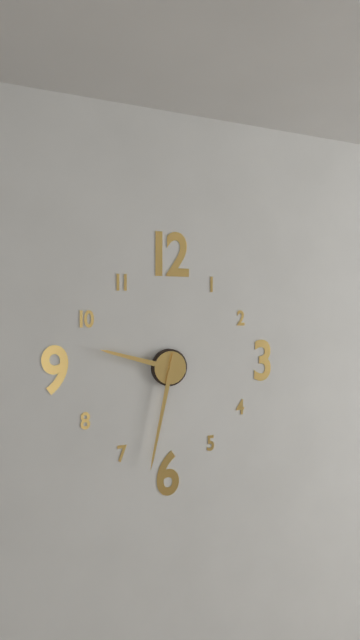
9:32
